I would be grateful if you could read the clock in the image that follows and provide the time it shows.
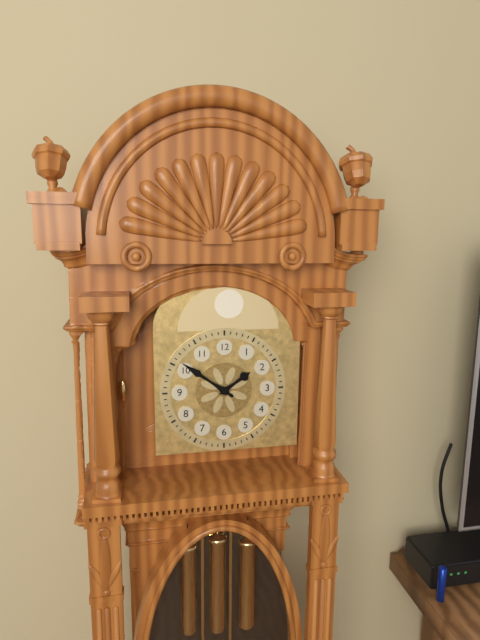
1:51
